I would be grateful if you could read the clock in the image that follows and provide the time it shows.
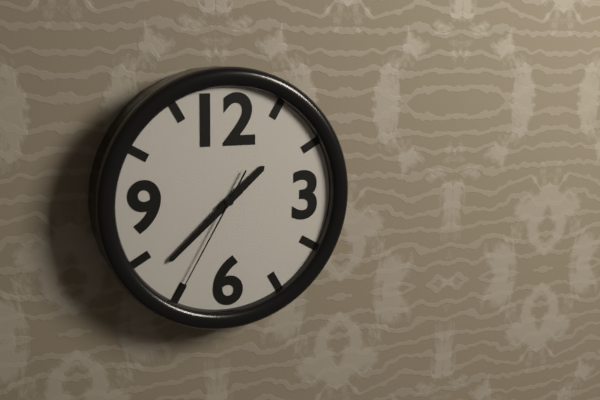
1:38:35
